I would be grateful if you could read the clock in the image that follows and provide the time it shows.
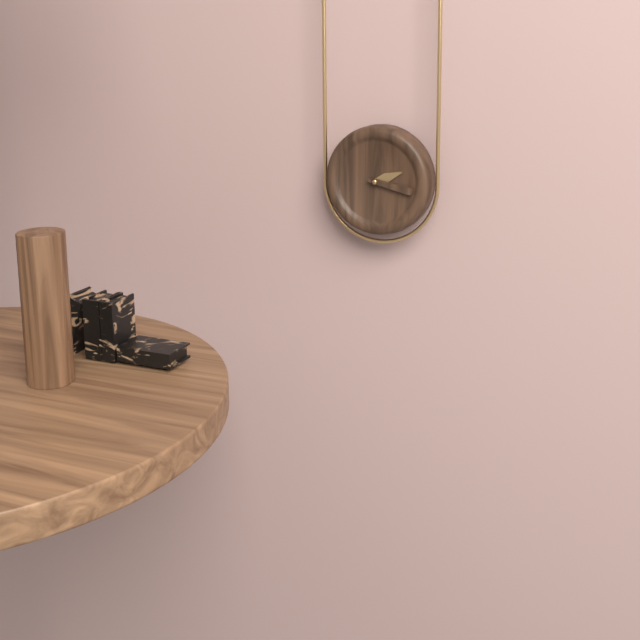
2:17
